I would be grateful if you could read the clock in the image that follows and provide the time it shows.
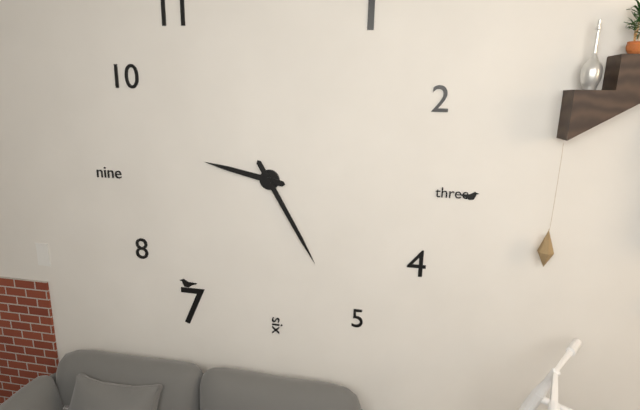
9:25
